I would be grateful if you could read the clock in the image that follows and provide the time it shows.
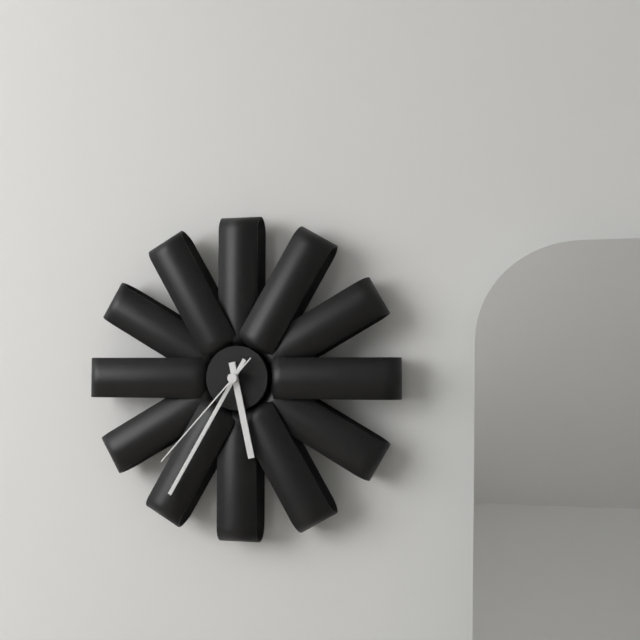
5:35:37
